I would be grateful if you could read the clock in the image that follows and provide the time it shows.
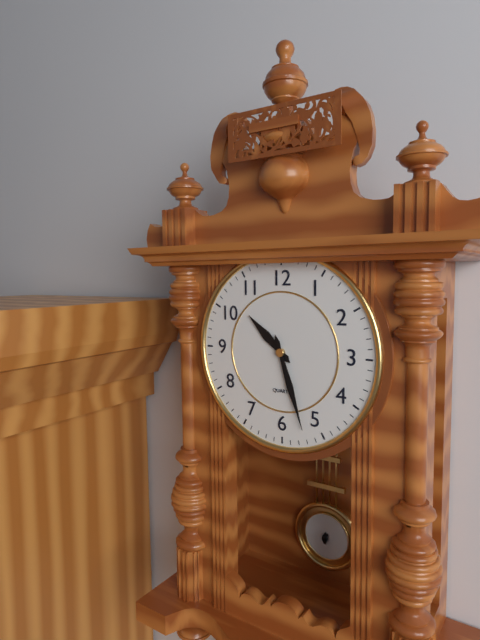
10:27
